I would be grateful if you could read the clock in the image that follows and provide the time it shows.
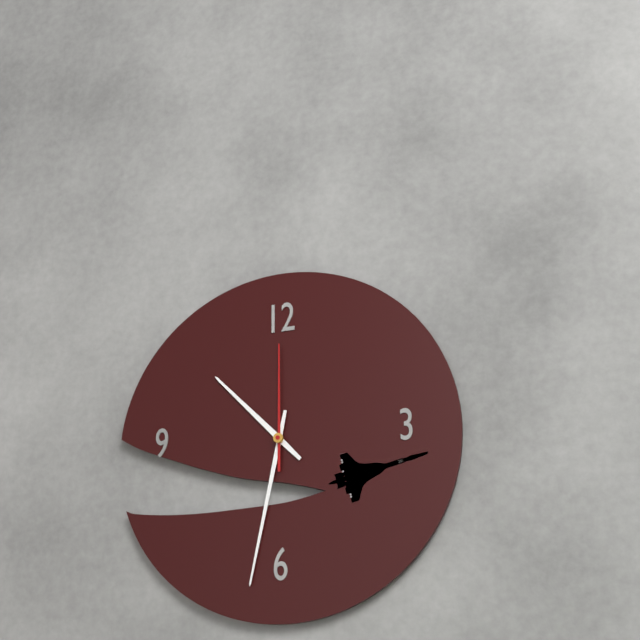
10:32:00
